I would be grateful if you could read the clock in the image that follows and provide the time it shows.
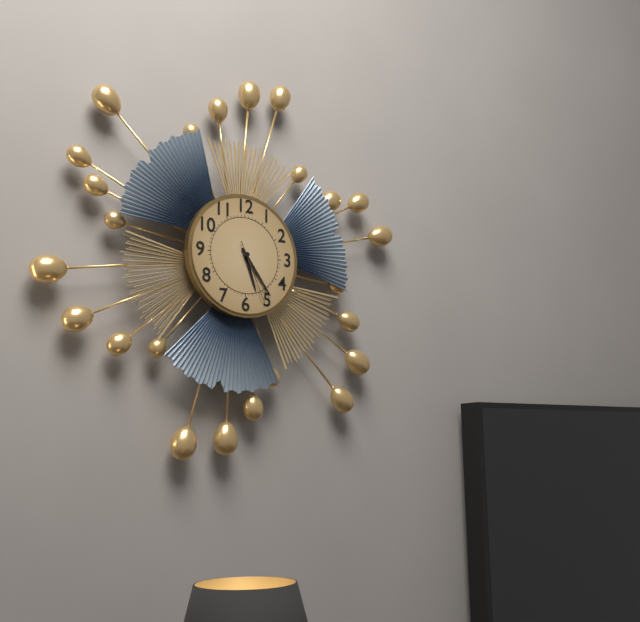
5:24:26
